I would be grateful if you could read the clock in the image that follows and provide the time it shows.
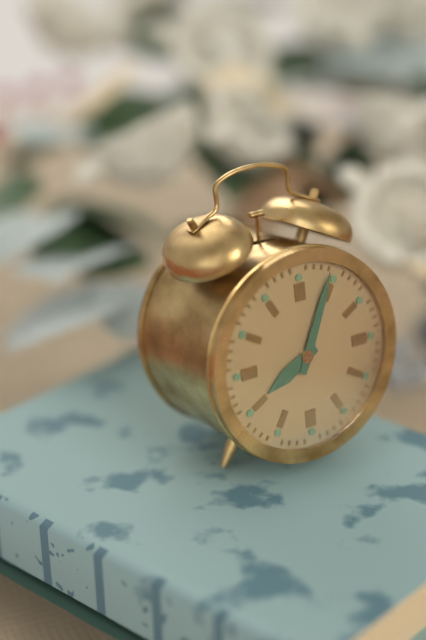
8:04
